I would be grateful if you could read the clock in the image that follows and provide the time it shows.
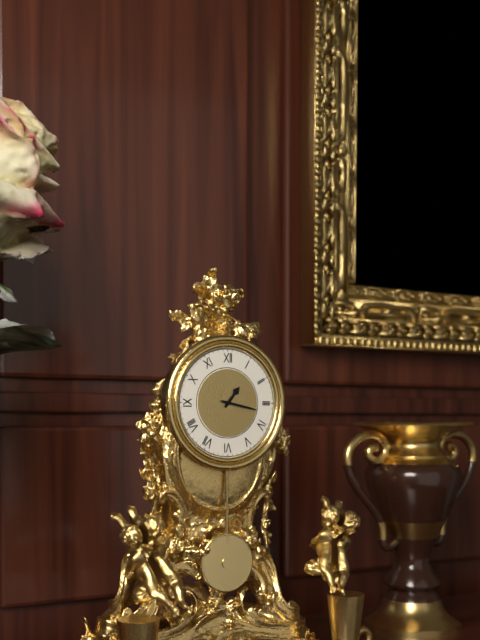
1:17
